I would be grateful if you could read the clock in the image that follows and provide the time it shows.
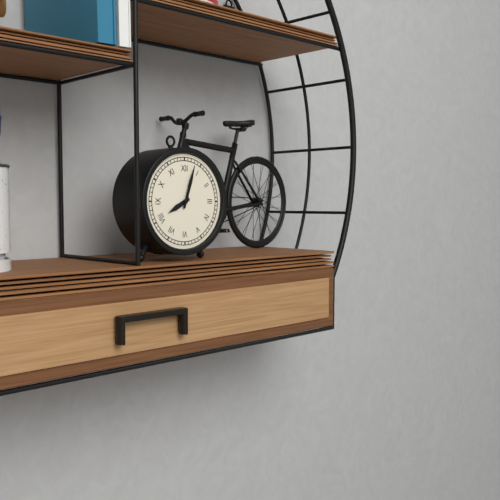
8:03
